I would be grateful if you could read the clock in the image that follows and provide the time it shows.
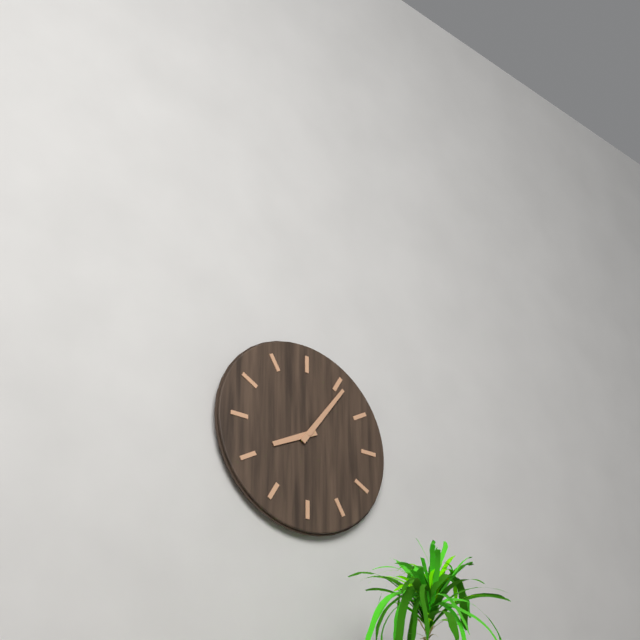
8:06
